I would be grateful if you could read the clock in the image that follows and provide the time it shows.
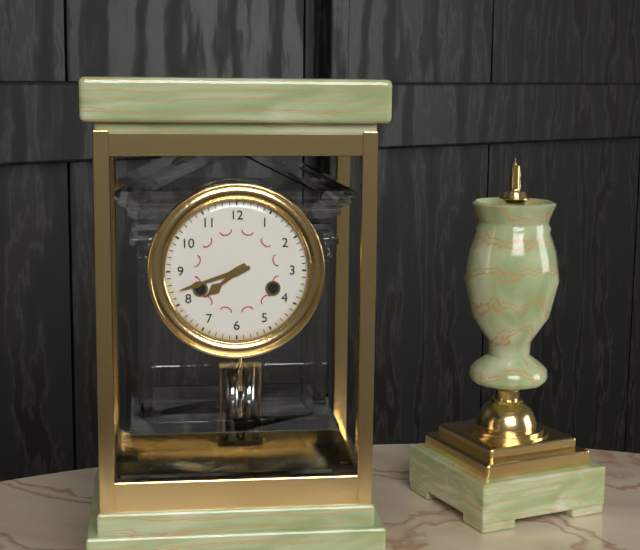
7:42
